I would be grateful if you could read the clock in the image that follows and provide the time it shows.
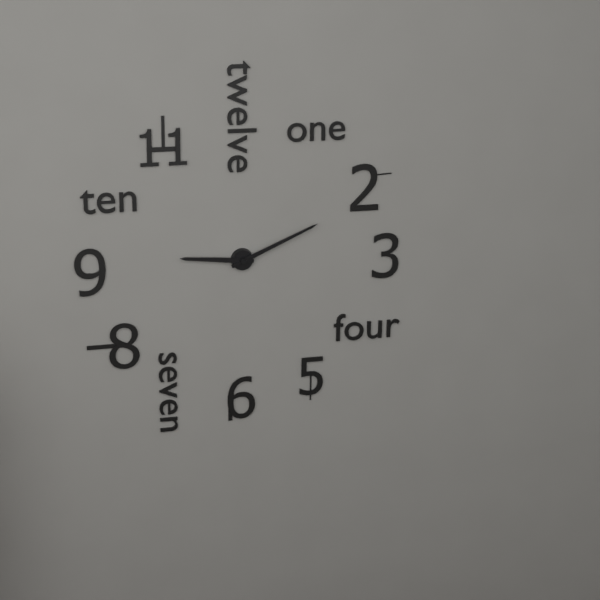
9:11
